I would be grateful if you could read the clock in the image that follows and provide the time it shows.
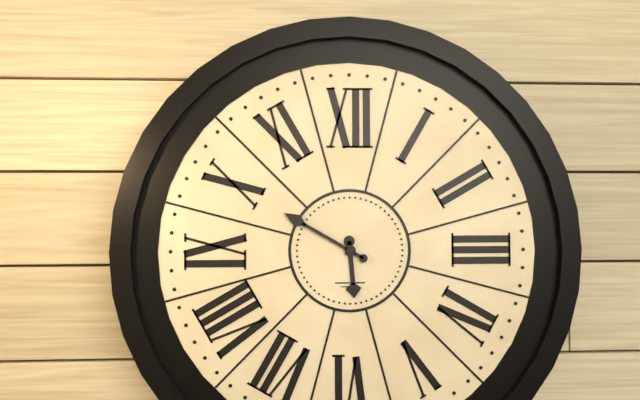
5:50
